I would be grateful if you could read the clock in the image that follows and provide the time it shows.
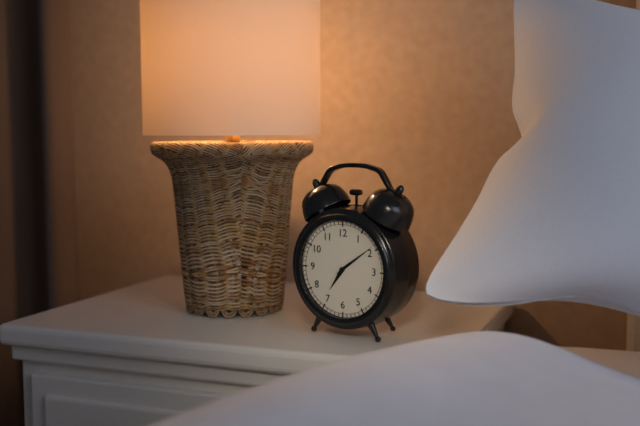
7:09
